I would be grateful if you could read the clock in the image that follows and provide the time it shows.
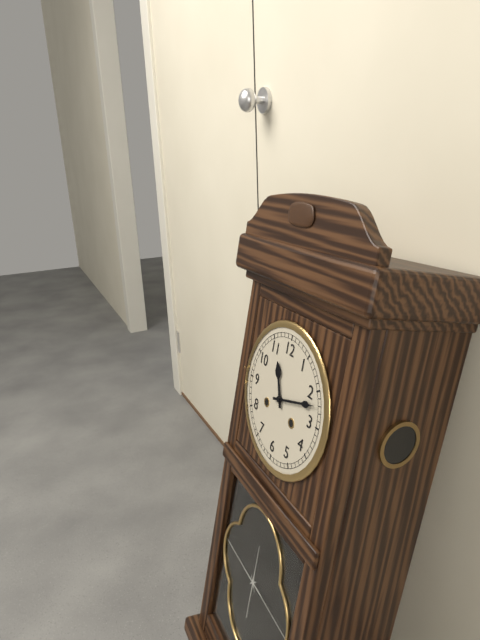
11:12
